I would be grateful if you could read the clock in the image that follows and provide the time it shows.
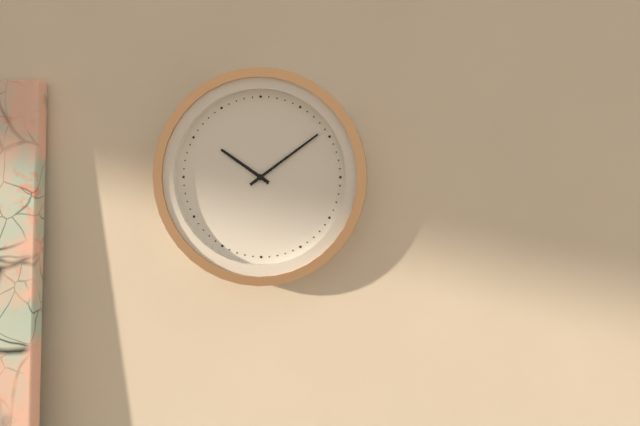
10:09
